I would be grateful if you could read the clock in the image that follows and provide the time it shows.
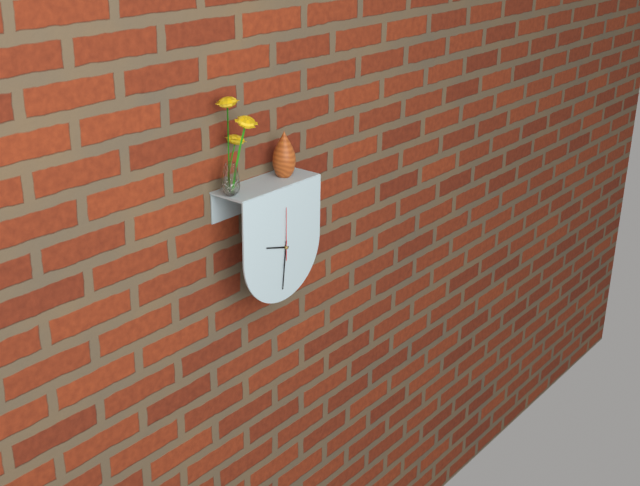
9:31
